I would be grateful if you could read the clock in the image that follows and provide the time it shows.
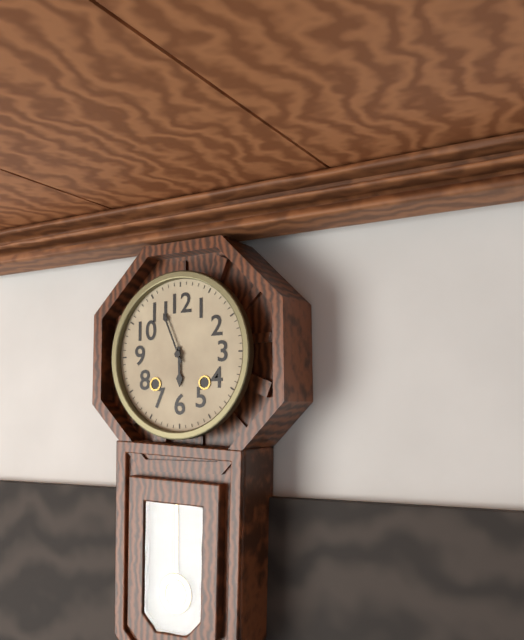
5:56
